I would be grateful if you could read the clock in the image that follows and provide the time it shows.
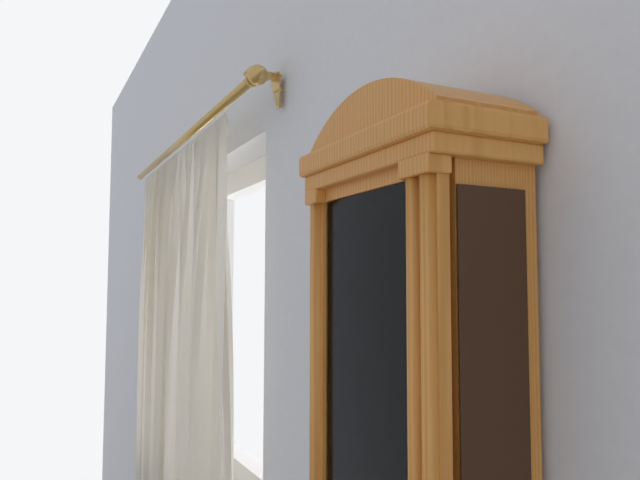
8:31
